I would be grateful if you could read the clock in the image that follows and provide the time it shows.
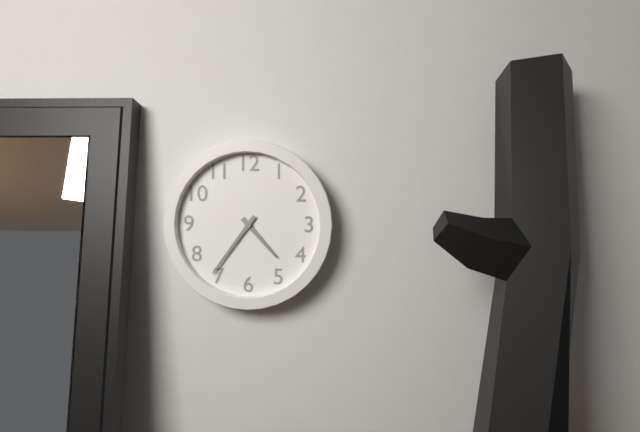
4:36
